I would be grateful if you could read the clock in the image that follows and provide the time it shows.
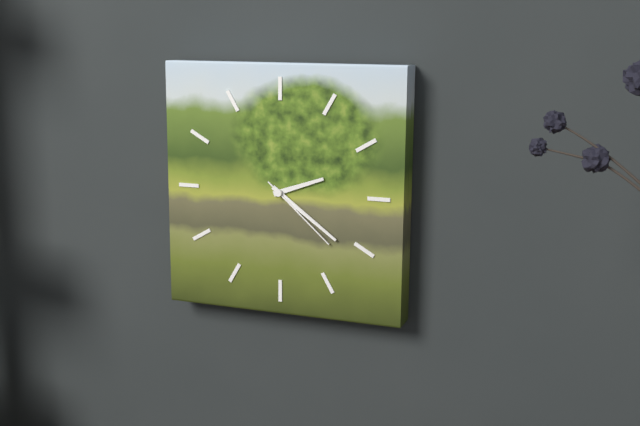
2:21:22
